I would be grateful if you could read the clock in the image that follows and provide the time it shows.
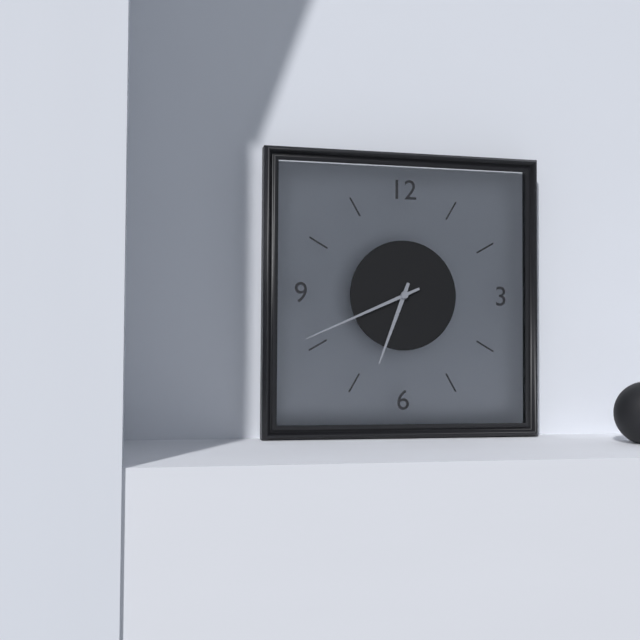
6:41
